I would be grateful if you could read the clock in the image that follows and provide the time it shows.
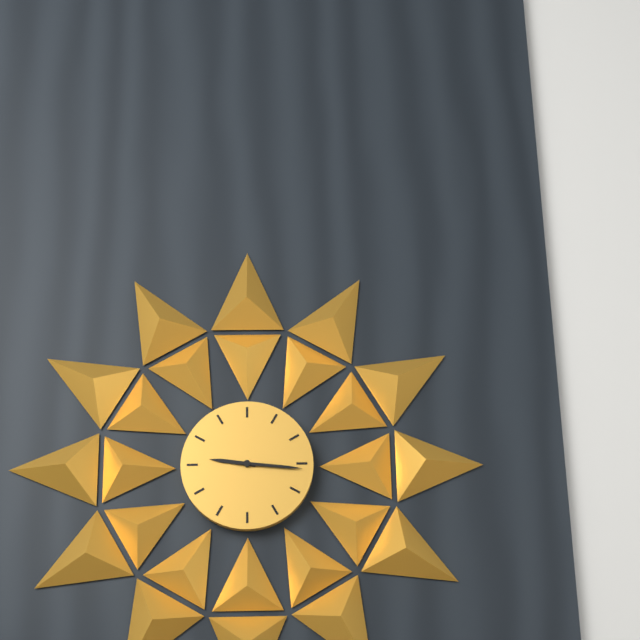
9:16
